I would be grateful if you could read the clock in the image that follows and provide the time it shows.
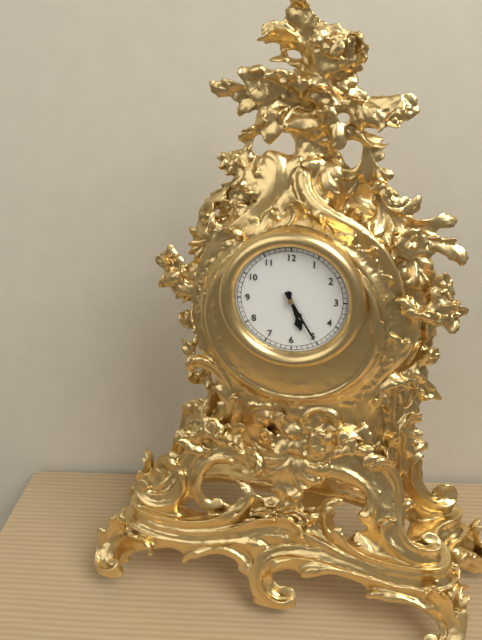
5:25
